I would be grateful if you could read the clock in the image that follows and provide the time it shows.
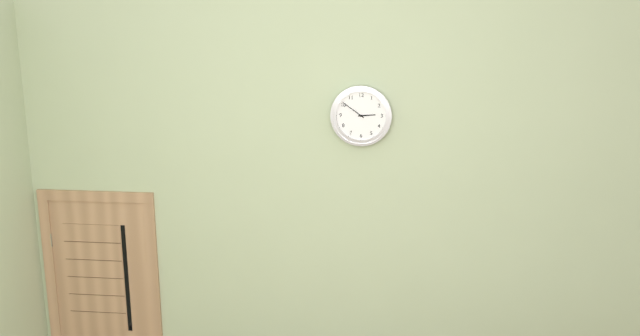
2:51
